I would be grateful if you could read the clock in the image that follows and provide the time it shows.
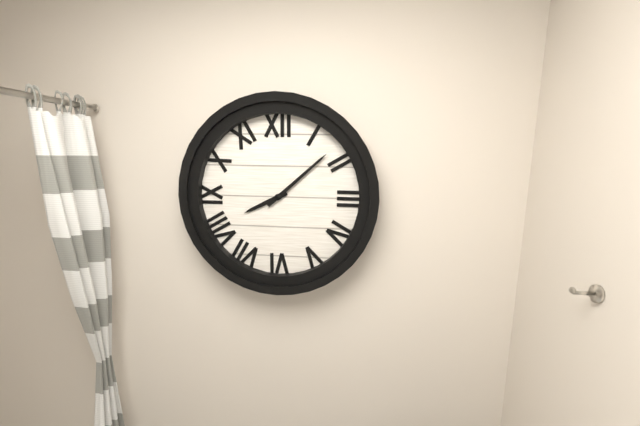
8:08
